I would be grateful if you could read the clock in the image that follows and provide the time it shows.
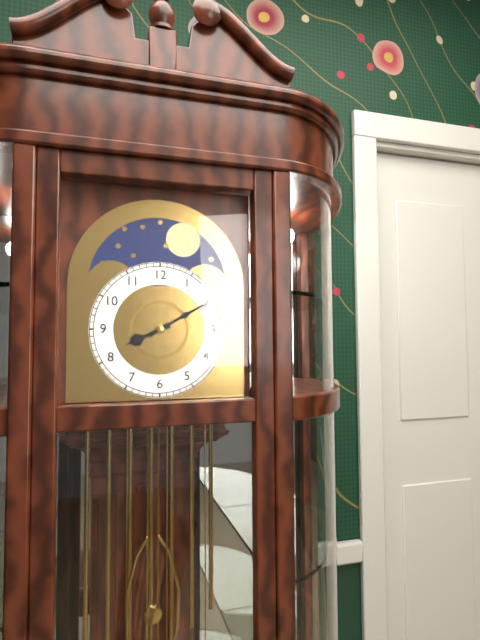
8:10
